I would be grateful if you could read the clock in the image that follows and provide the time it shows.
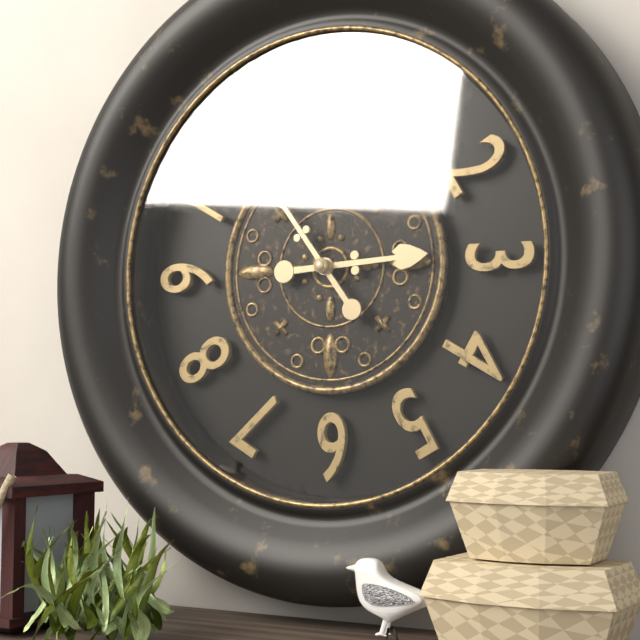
2:54
